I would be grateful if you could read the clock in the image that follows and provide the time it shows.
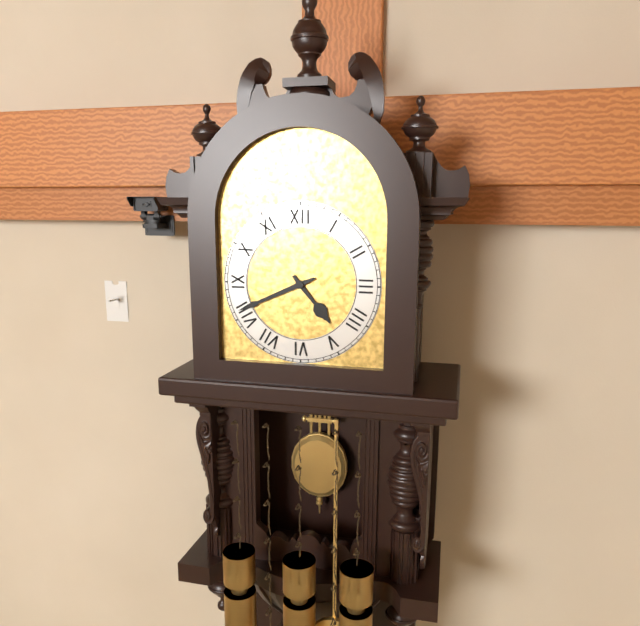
4:41
